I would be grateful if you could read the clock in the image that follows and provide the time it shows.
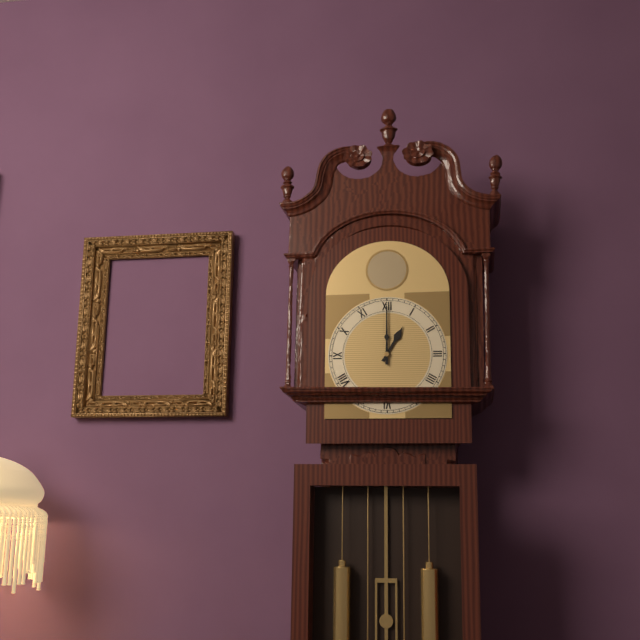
1:00
